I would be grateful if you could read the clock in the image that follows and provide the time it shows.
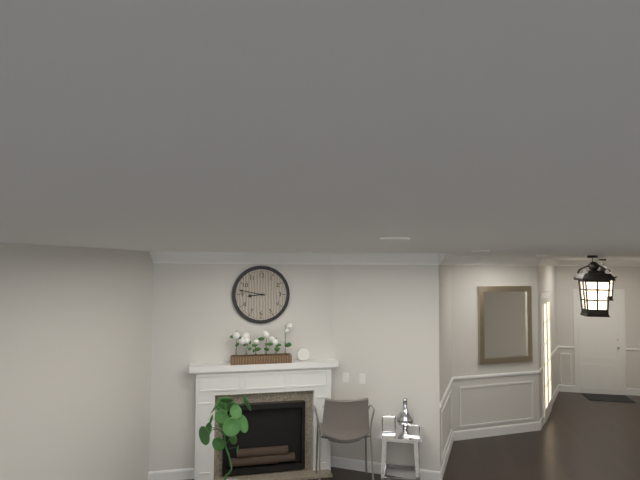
8:47
